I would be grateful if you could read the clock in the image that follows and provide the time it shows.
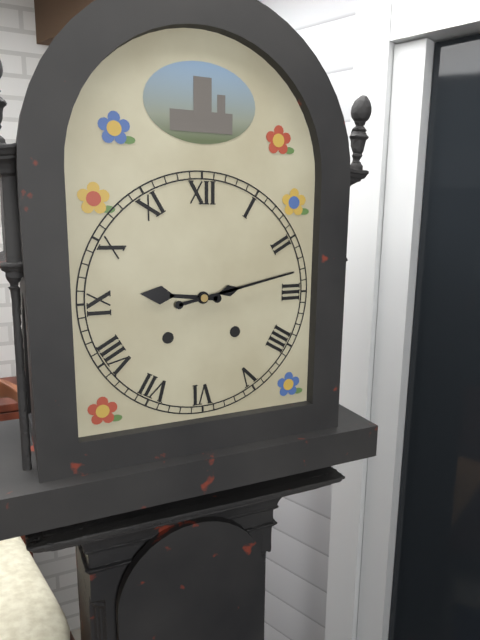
9:13
